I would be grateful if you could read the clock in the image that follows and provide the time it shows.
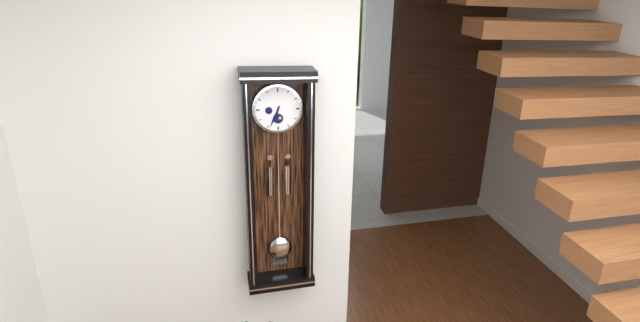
6:34
